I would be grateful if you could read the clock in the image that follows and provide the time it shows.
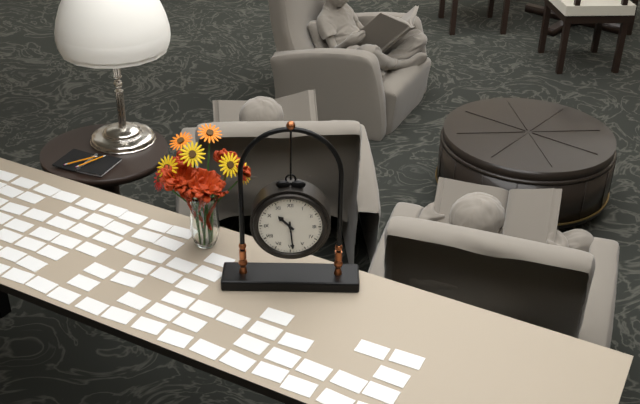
10:29
